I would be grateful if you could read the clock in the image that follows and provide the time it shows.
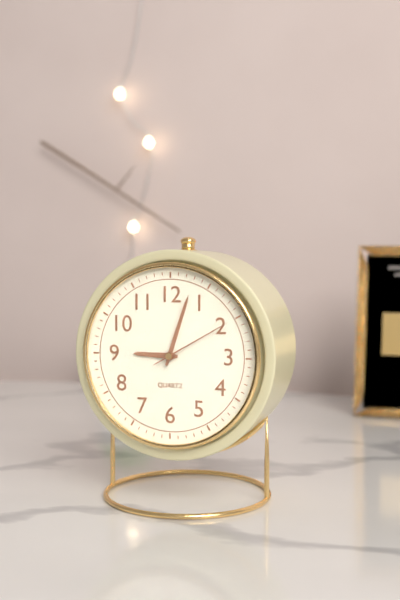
9:03:10
